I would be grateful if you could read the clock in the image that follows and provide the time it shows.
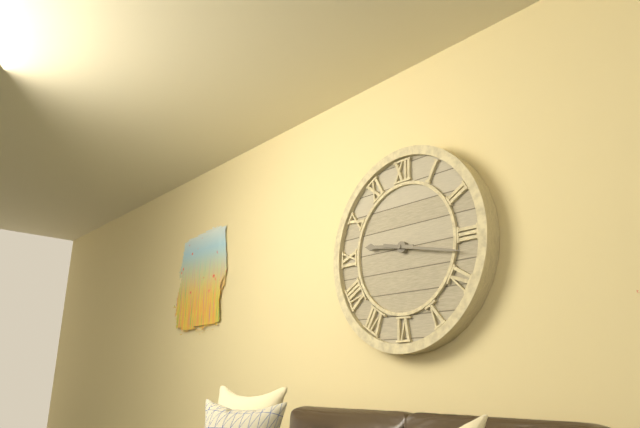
9:17
